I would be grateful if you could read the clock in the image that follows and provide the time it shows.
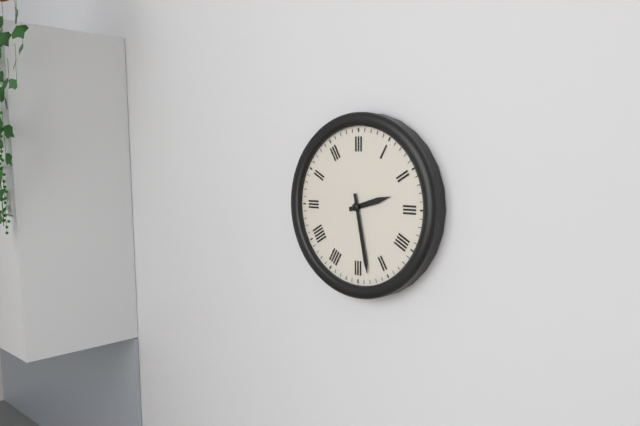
2:28
